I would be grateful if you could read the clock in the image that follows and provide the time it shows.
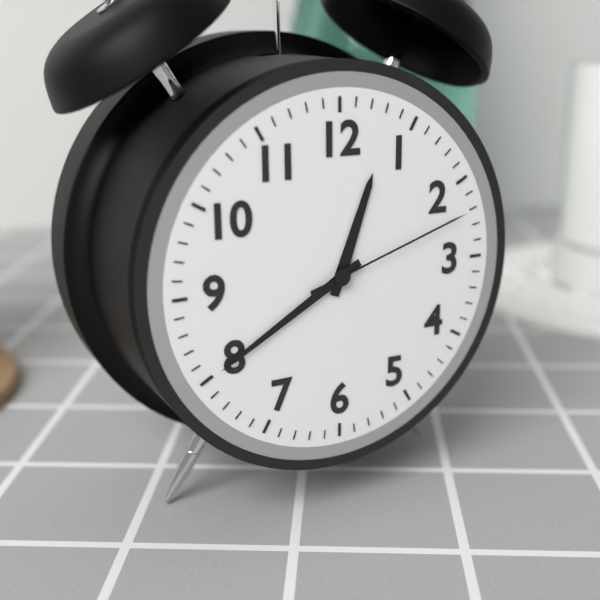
12:40:12
